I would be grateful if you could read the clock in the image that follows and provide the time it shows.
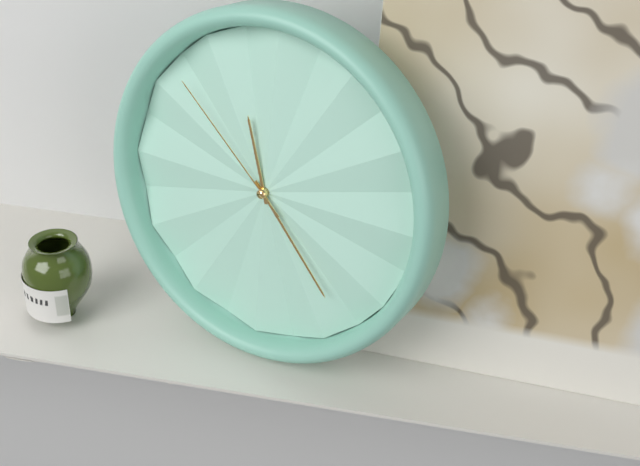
11:23:52
